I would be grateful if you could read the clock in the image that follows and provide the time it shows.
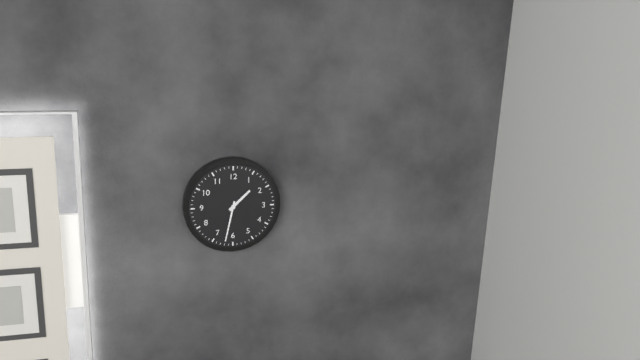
1:32
